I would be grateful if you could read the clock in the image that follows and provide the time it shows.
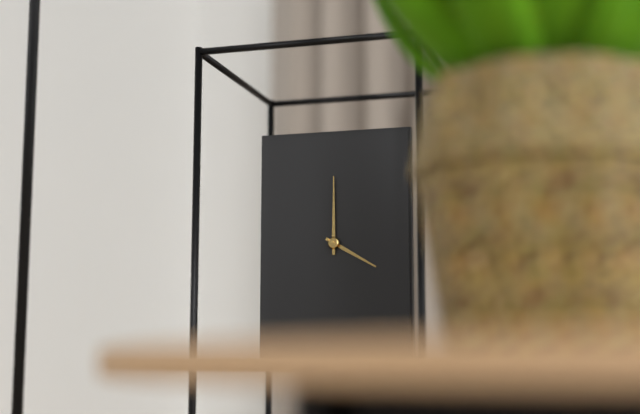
4:00
